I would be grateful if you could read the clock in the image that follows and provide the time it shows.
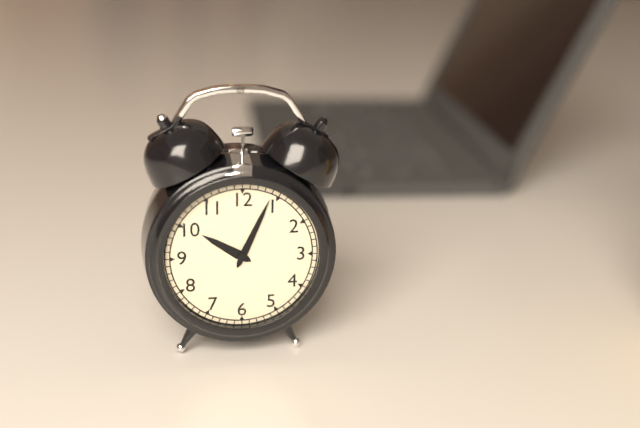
10:04
